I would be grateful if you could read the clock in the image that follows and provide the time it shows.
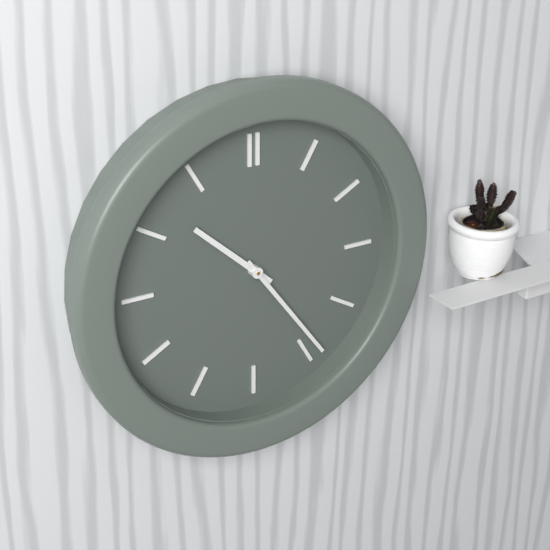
10:24
